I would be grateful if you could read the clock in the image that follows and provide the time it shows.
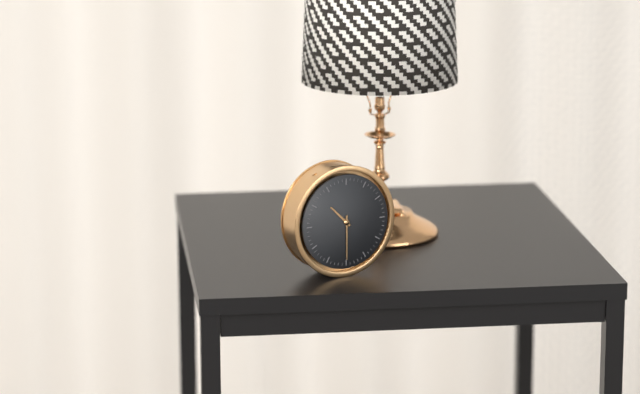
10:30
